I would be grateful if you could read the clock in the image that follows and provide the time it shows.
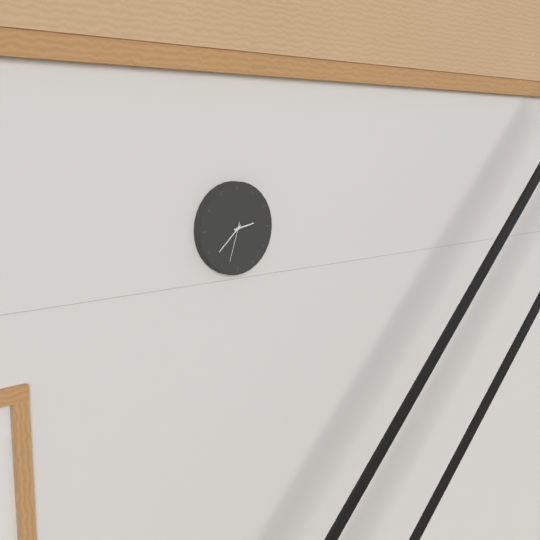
2:38
